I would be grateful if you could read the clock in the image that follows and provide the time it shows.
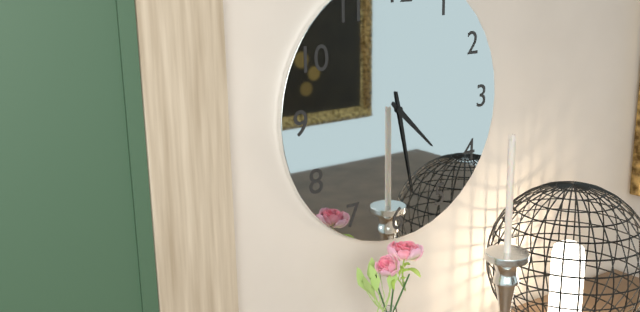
4:28
